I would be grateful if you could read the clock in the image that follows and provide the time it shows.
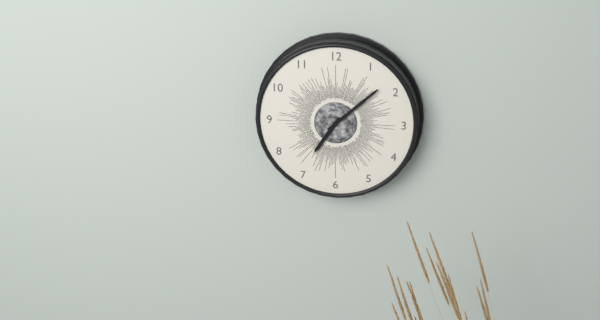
7:08
